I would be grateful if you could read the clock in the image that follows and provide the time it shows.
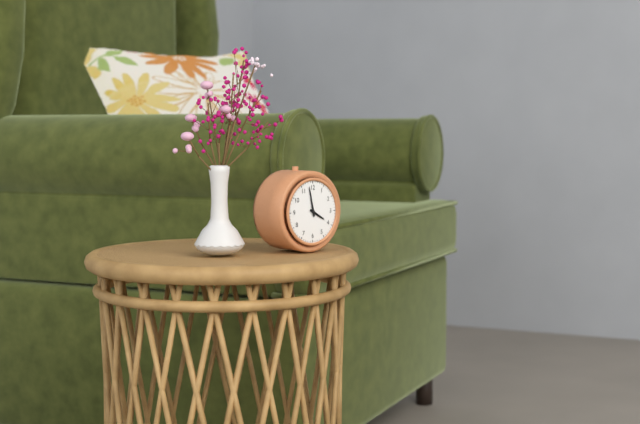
3:58
